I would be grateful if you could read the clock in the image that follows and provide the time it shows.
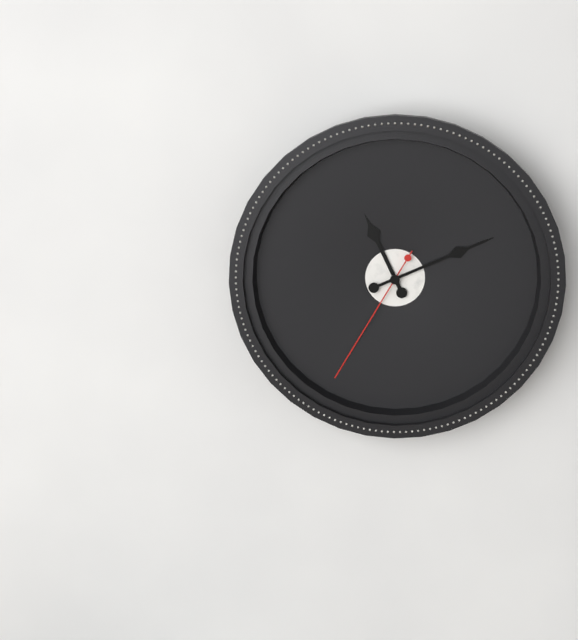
11:11:35
